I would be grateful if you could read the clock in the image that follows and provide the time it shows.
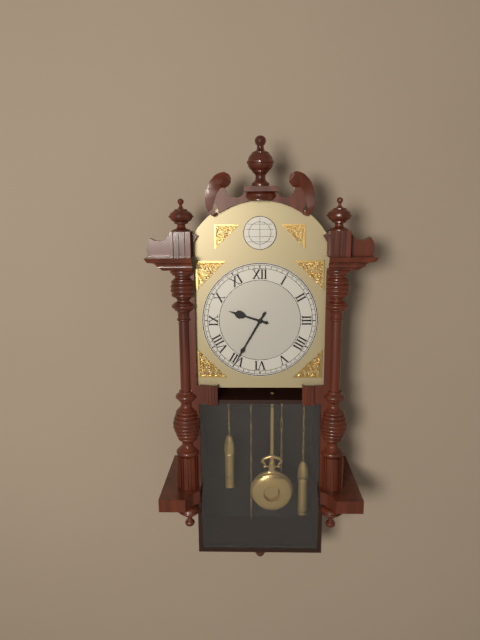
9:35
